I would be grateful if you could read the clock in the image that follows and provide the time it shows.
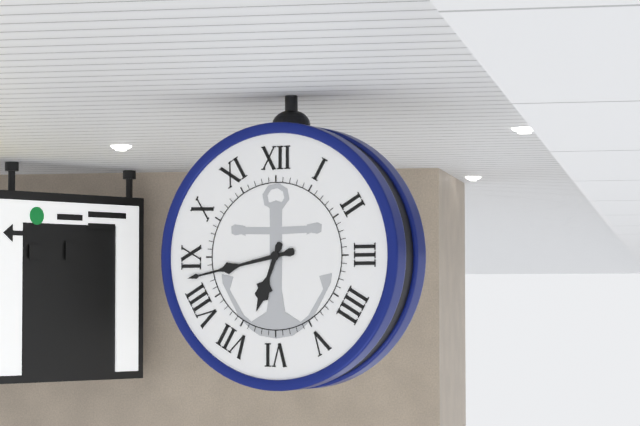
6:43
